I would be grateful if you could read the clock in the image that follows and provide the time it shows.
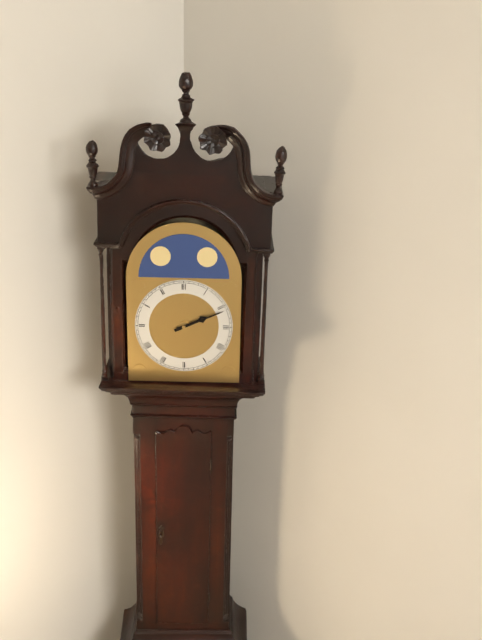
2:11
